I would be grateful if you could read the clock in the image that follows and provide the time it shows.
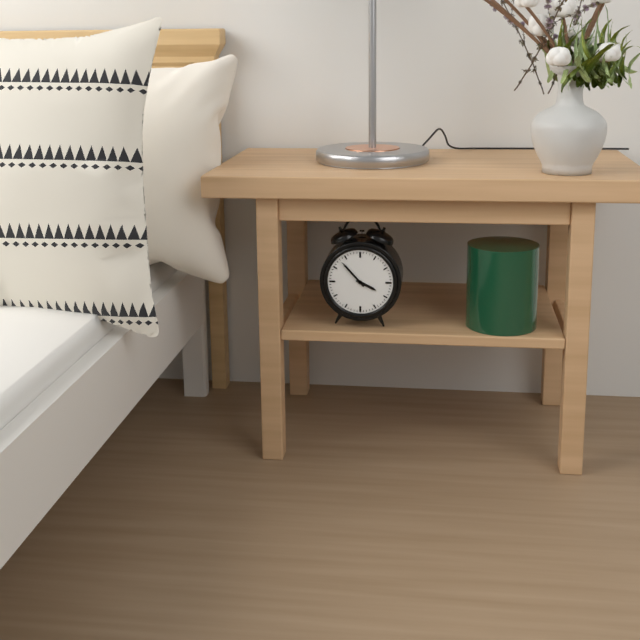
3:53
